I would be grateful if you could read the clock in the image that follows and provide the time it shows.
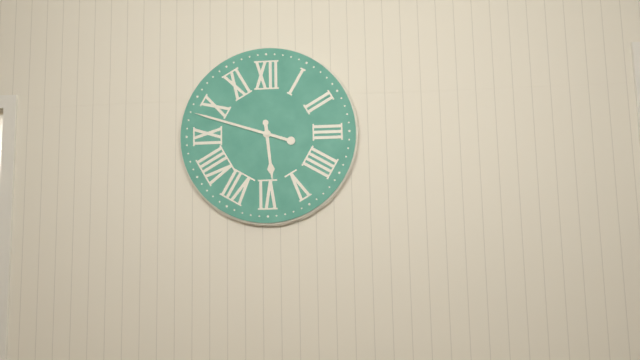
5:48
